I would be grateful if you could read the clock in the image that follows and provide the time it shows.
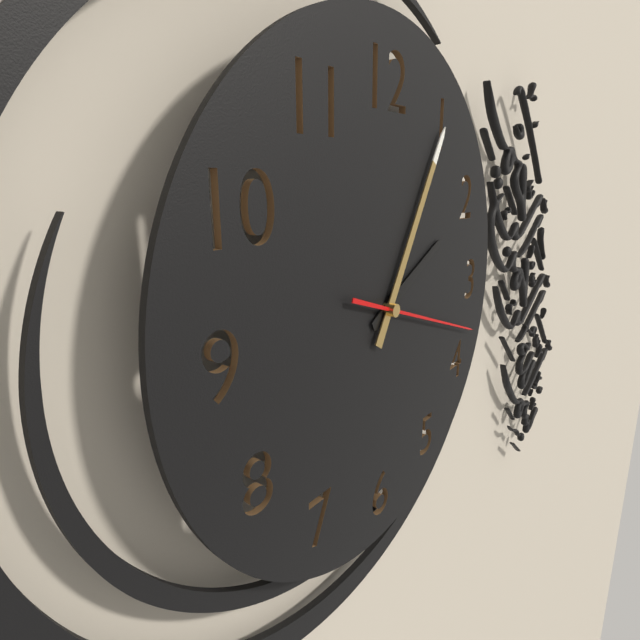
2:05:18
